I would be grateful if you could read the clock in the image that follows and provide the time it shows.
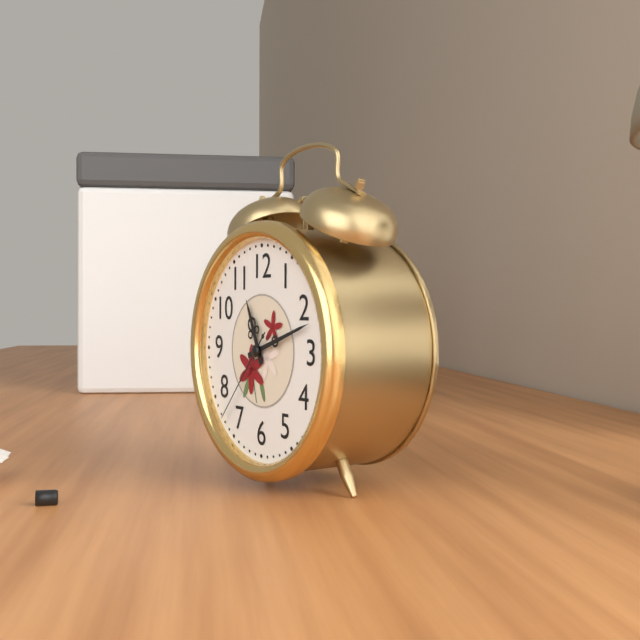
11:12:37
